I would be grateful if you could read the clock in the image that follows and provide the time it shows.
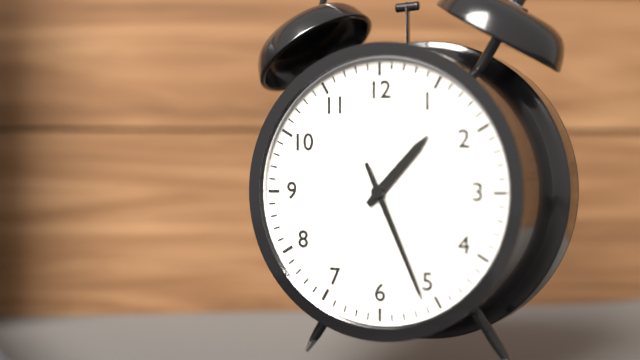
1:26
